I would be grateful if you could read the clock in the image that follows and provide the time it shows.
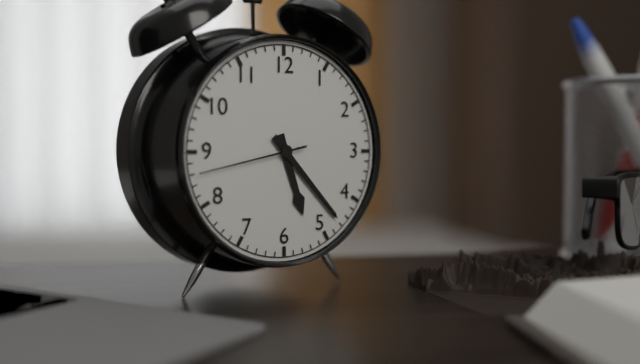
5:23:43
